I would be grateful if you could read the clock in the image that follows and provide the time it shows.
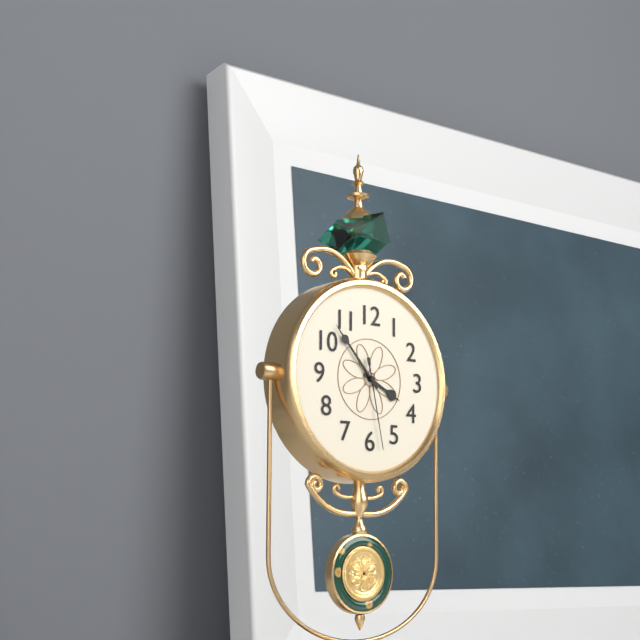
3:53:28
